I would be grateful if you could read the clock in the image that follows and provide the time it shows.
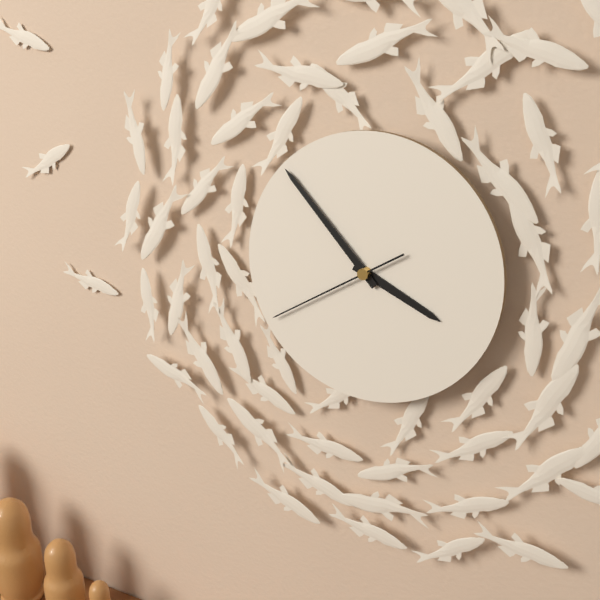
3:53:40
